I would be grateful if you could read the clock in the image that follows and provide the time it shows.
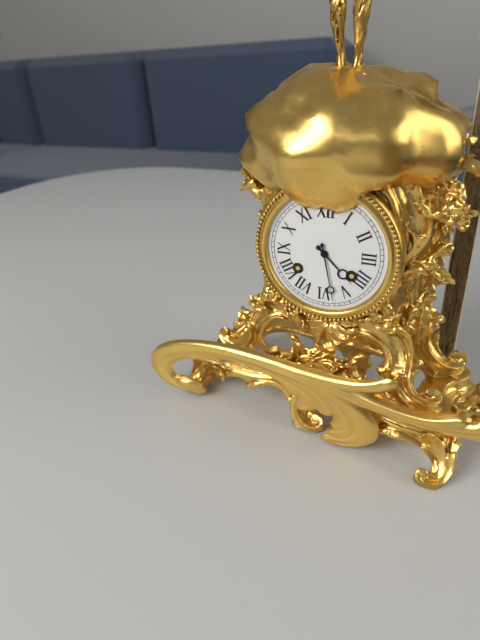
4:28
